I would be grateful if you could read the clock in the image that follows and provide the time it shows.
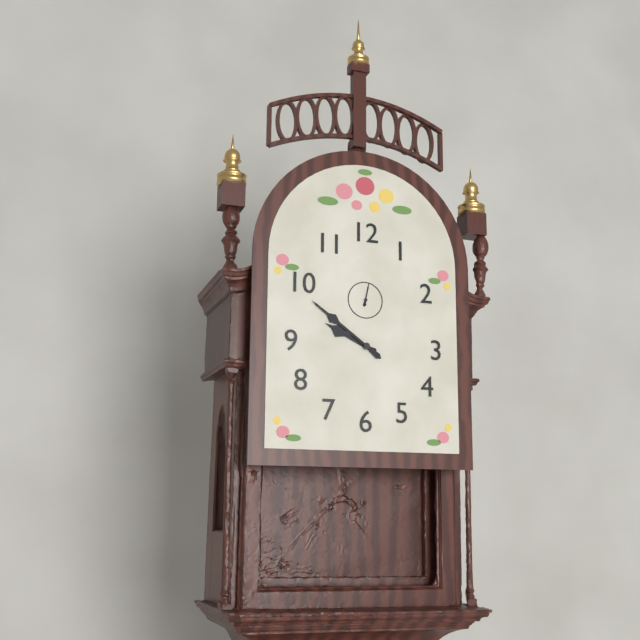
9:51
